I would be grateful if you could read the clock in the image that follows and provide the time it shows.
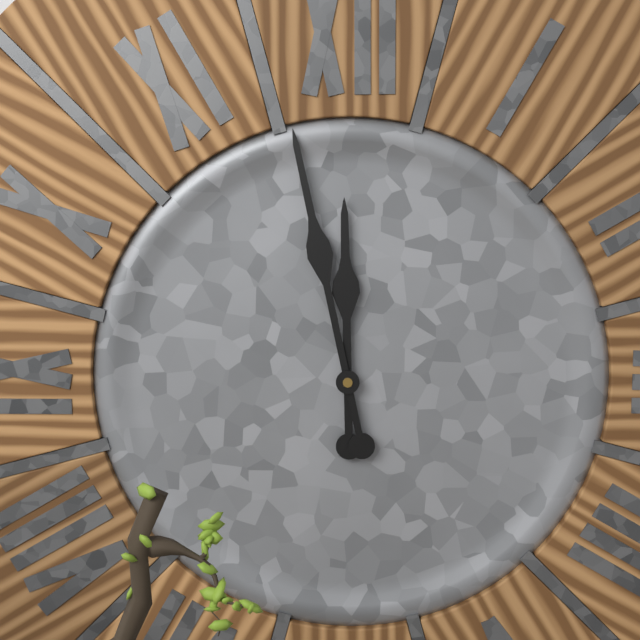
11:58
